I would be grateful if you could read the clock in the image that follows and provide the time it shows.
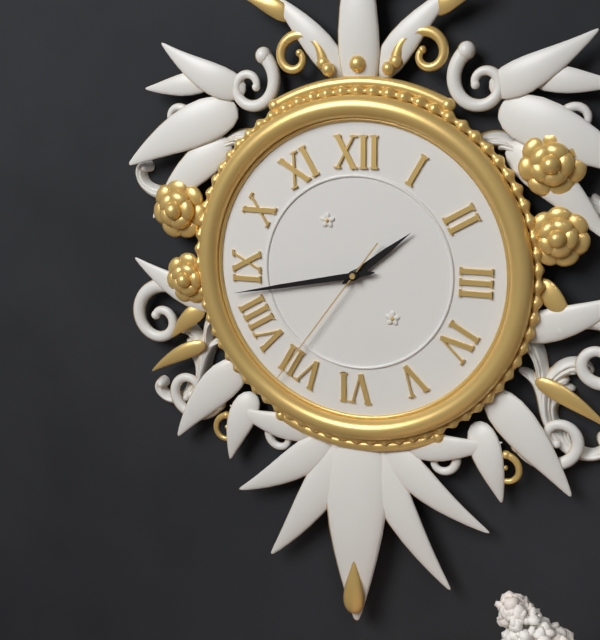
1:43:36
